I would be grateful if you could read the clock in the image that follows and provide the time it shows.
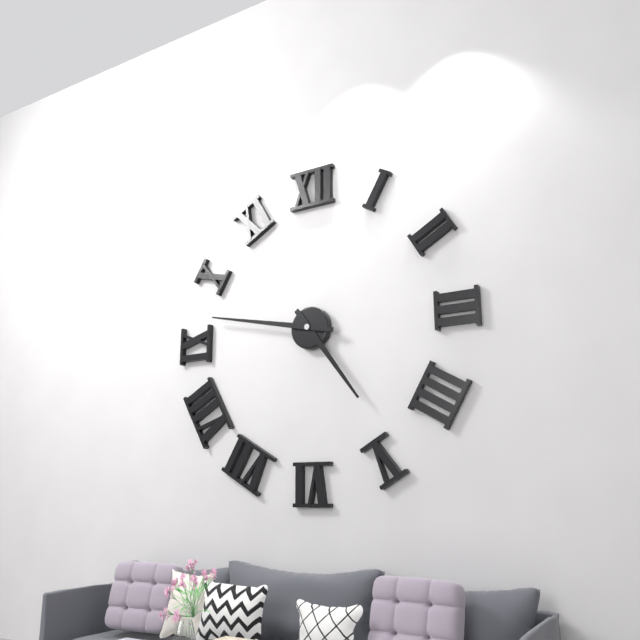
4:47
